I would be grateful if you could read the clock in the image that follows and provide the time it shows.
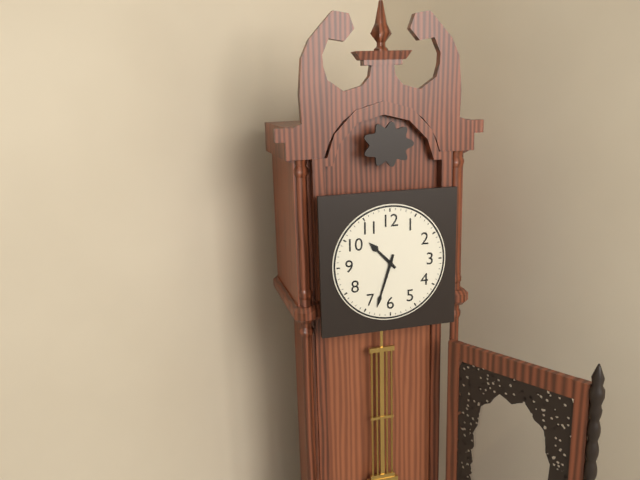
10:33
